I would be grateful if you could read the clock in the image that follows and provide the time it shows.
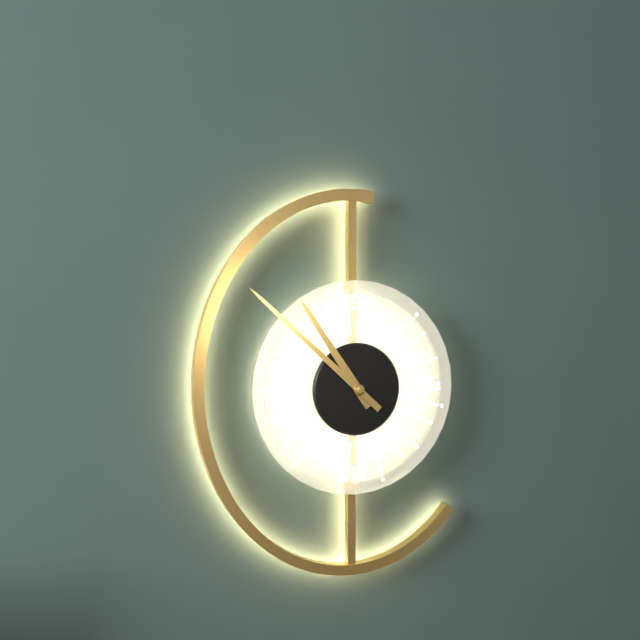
10:52
